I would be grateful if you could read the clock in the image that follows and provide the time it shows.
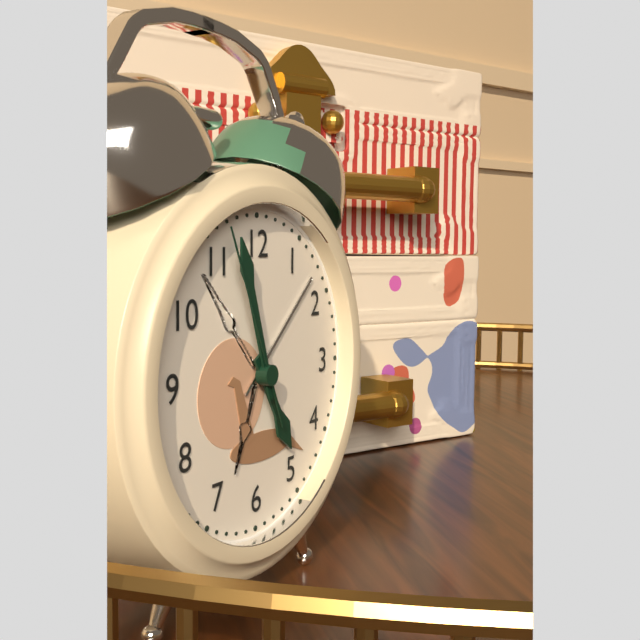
4:57:56
